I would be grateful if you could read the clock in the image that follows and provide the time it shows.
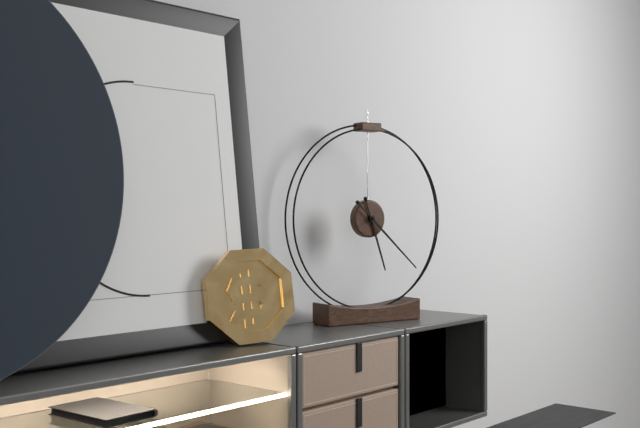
5:22
